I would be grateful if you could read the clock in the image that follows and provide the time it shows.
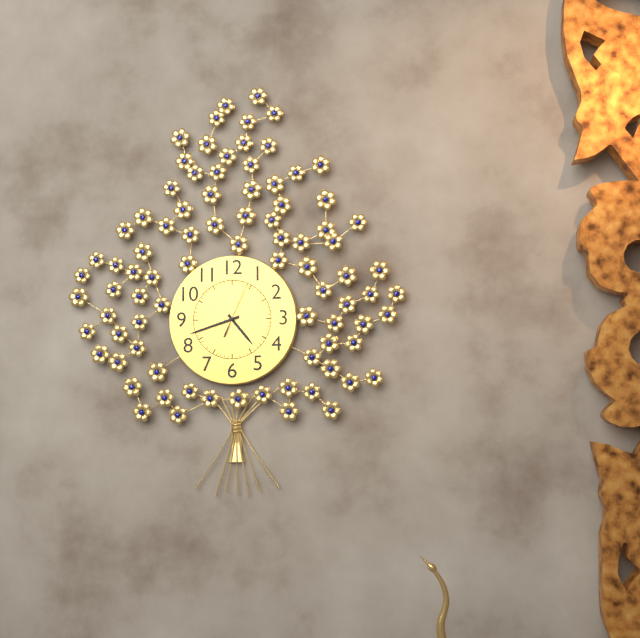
4:42
